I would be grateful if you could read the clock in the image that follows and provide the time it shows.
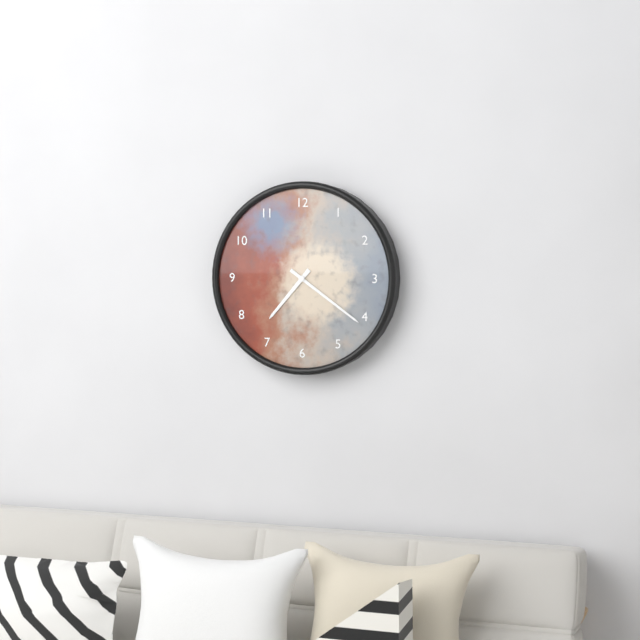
7:21
